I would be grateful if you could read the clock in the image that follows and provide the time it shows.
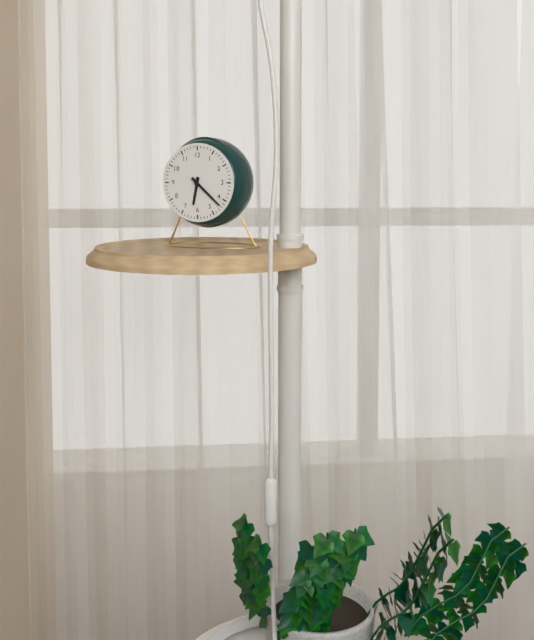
6:22
